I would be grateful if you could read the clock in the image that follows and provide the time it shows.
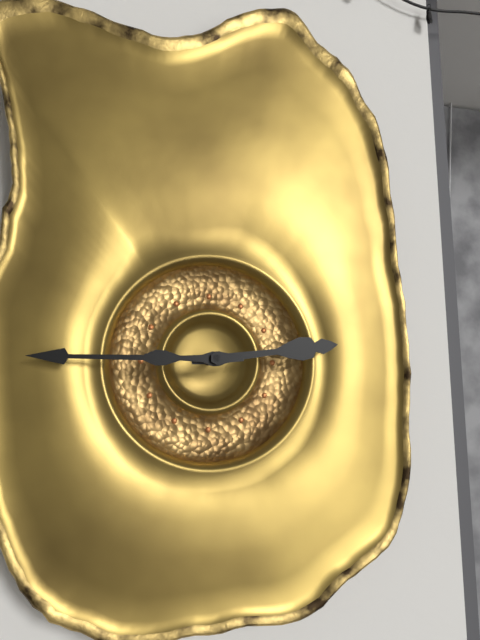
2:45
